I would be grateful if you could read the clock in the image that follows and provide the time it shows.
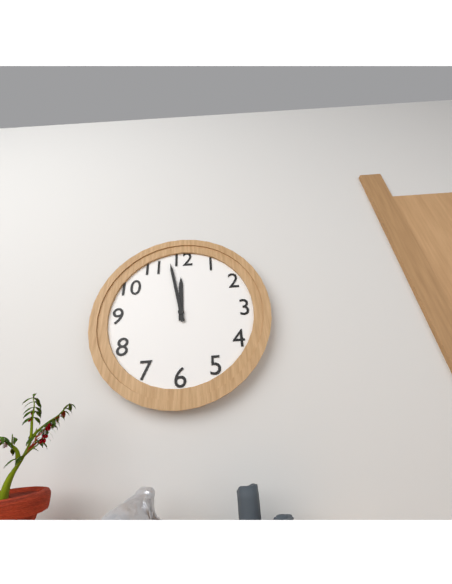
11:58
